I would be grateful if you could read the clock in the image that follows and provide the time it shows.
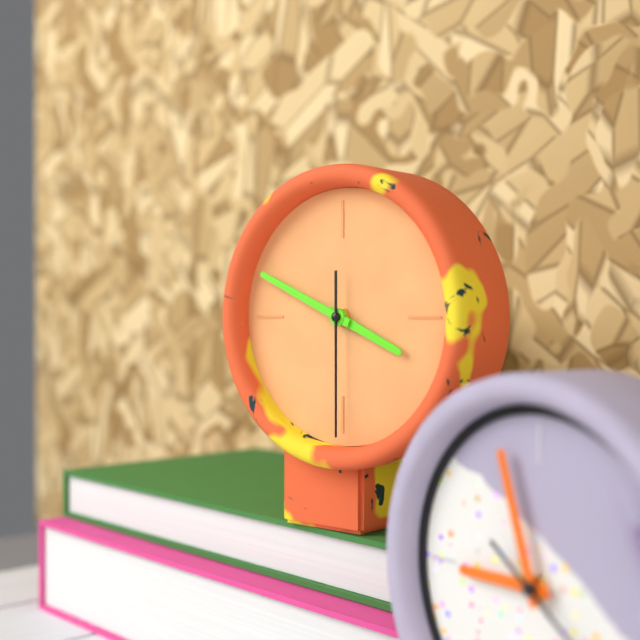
3:49:30
